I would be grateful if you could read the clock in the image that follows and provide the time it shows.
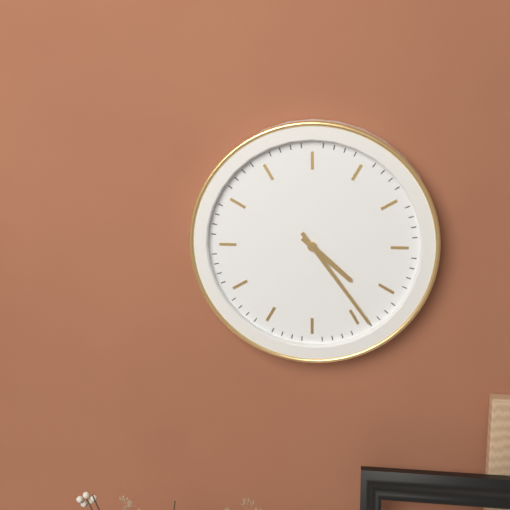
4:24
